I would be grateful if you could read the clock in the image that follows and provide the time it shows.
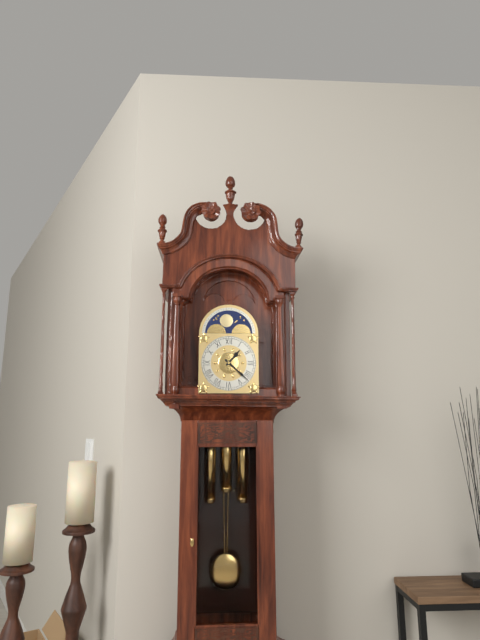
1:22
